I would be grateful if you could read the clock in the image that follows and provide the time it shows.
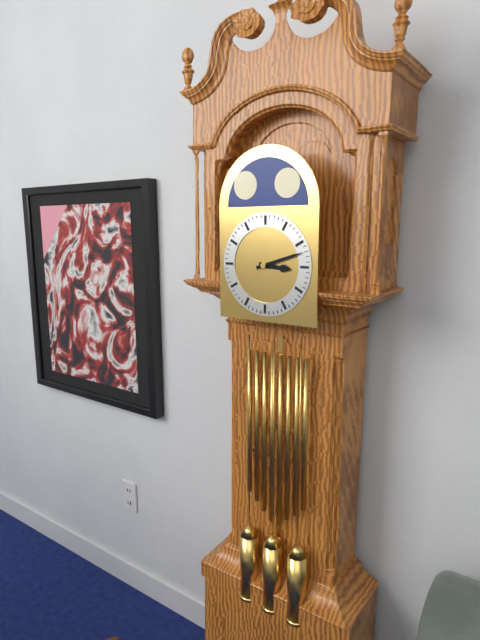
3:12
